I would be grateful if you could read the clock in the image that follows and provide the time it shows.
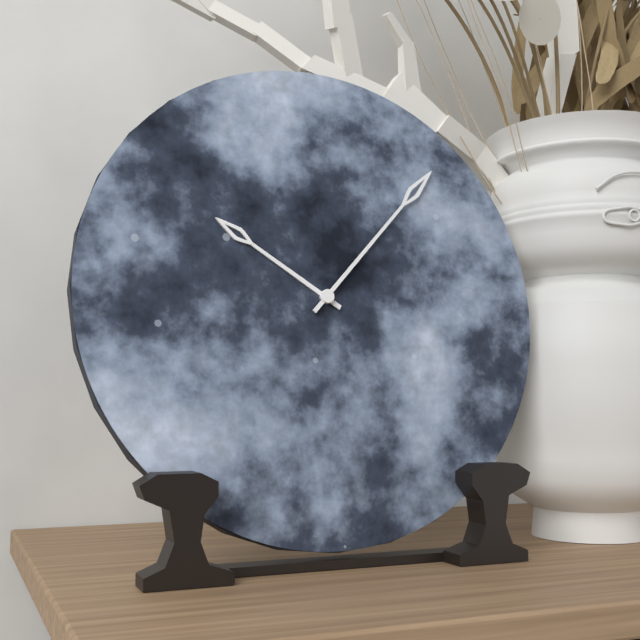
10:07
